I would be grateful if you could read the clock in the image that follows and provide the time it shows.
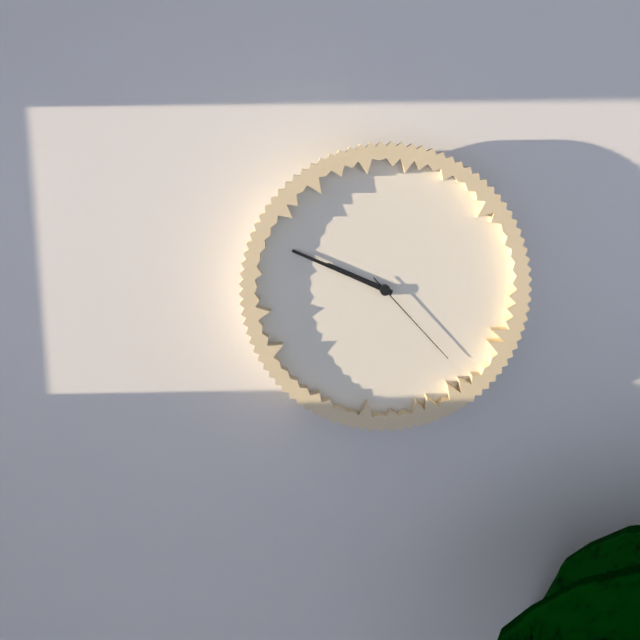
9:49:23
